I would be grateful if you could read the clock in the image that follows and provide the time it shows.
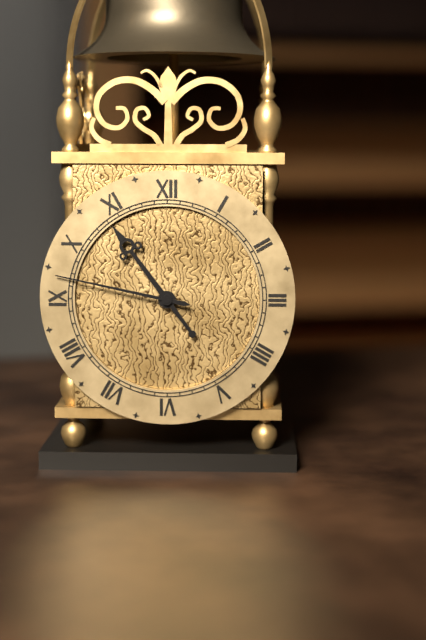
10:47
